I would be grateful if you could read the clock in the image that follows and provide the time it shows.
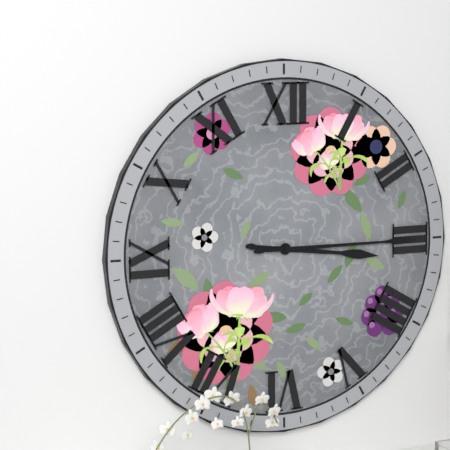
3:15
